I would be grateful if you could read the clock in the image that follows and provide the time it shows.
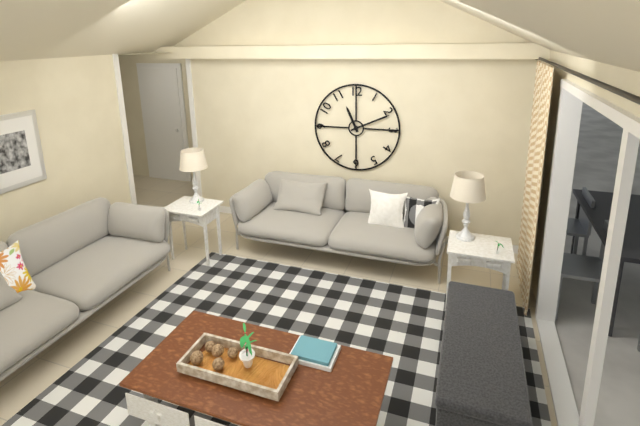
11:11
